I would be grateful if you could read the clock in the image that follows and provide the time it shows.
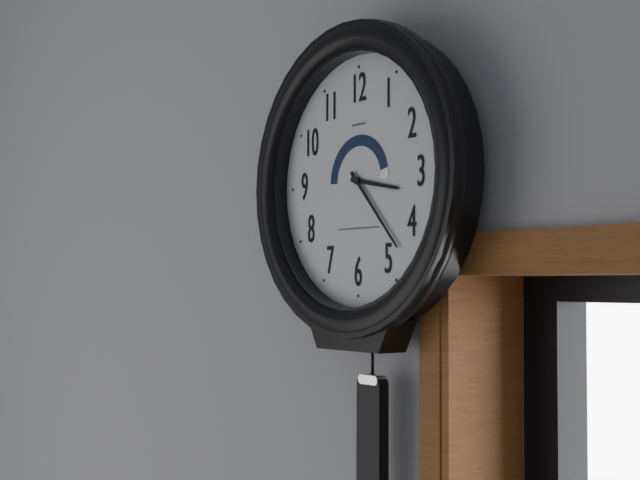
3:23
